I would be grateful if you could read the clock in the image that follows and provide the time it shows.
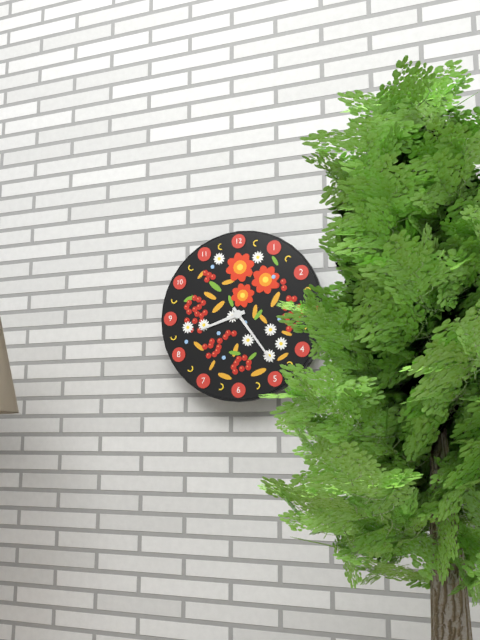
8:24
